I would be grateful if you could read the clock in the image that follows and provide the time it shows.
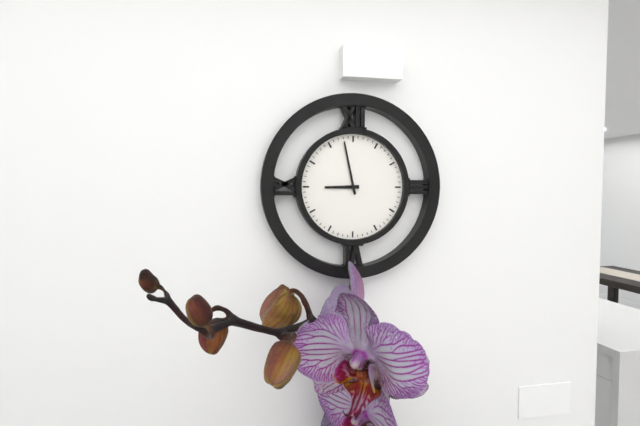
8:58
